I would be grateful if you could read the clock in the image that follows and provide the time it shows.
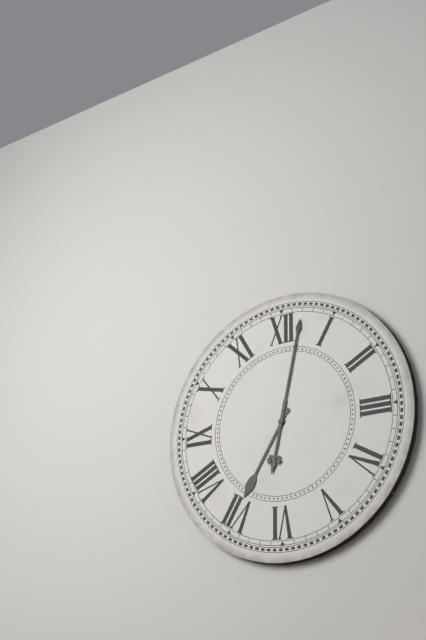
7:02
